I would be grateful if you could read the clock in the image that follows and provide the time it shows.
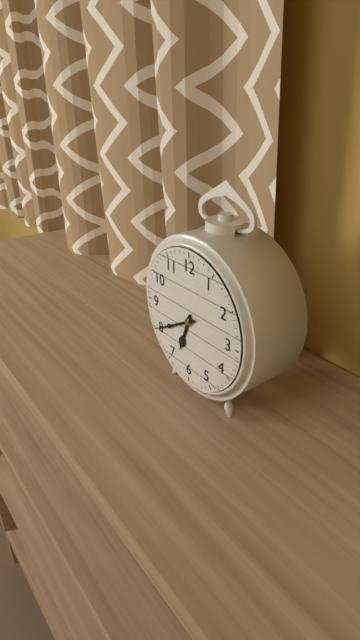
6:40
